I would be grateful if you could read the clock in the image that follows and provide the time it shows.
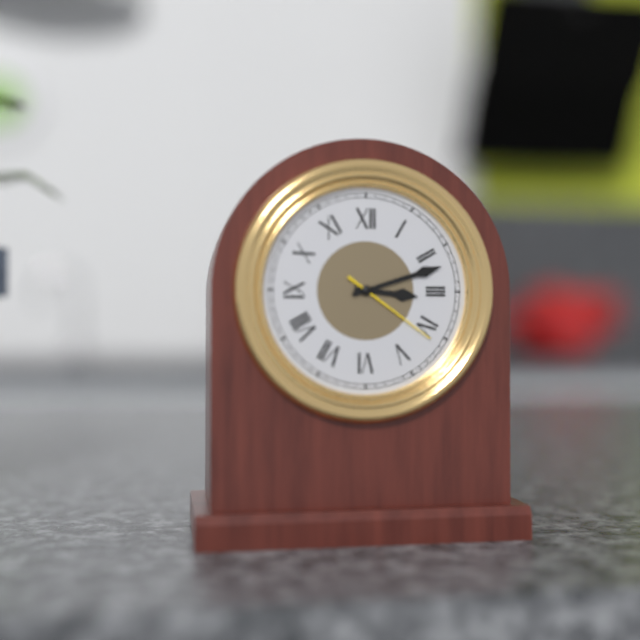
3:12:21
